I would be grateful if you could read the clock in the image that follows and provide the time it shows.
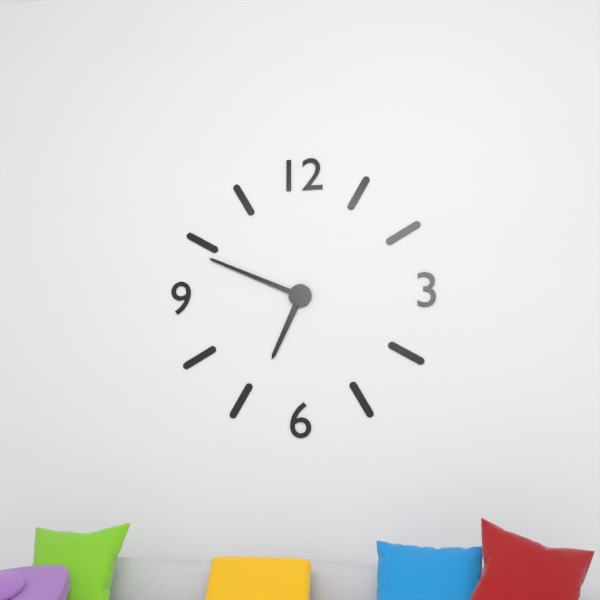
6:49
